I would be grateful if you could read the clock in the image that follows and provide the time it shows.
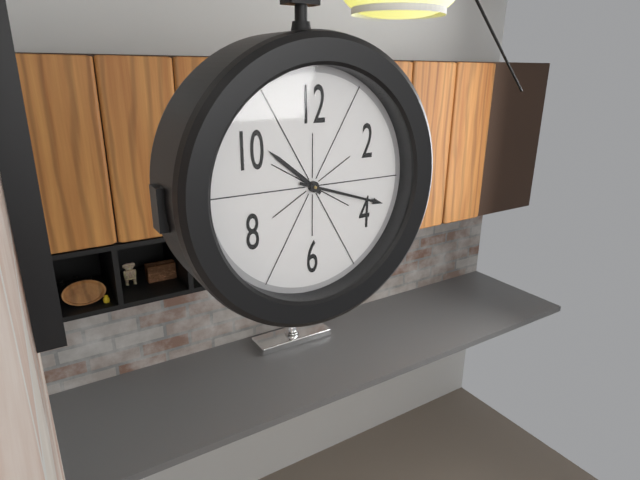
10:18
